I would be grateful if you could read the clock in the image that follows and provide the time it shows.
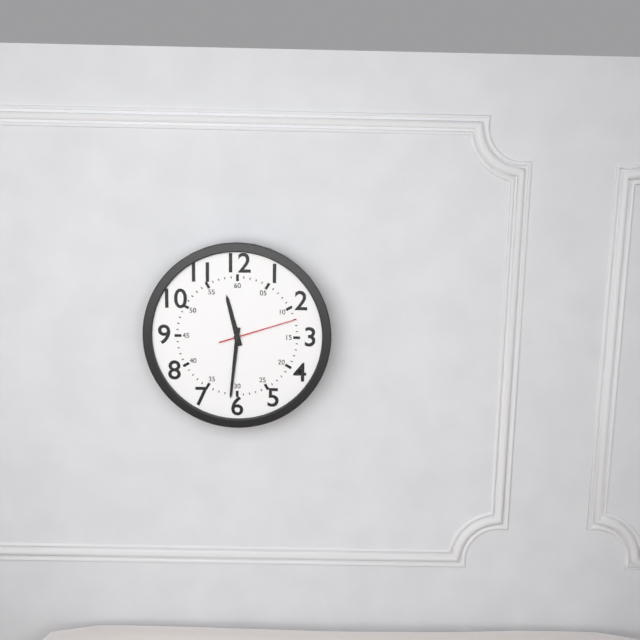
11:31:12
